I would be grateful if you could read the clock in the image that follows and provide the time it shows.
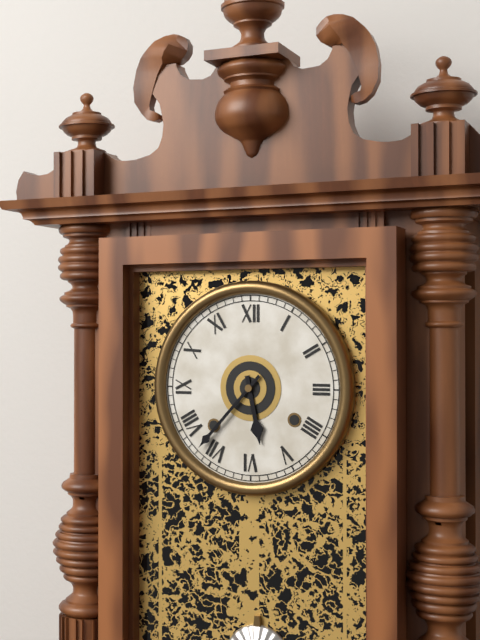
5:37
